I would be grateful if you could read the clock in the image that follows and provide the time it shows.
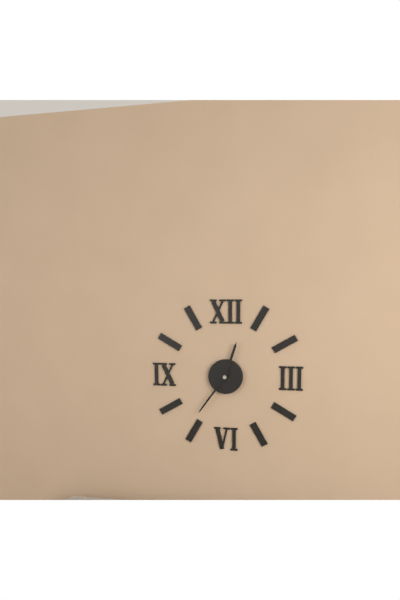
12:36
